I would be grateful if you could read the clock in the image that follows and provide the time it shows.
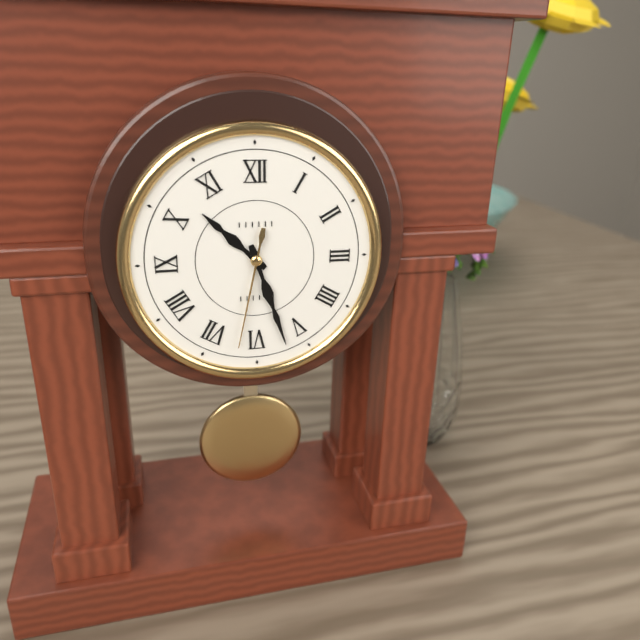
10:27:32
